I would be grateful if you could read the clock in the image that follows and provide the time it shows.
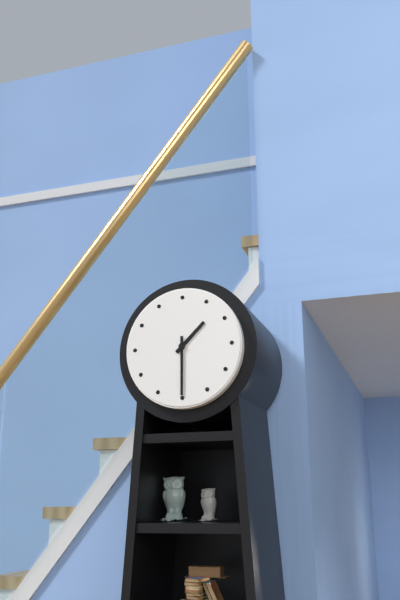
1:30
